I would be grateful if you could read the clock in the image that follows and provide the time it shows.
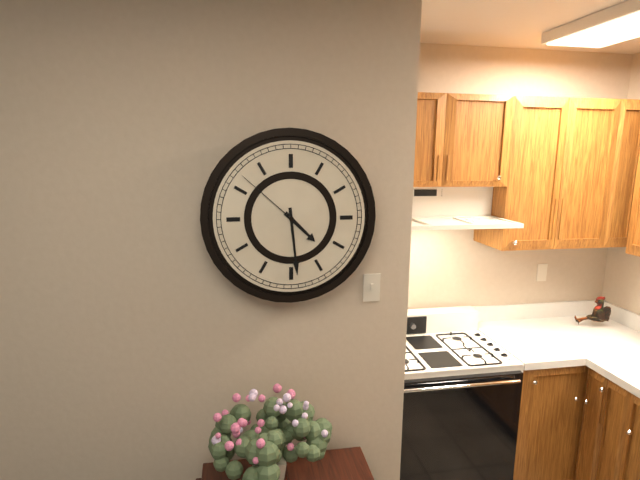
4:29:52
